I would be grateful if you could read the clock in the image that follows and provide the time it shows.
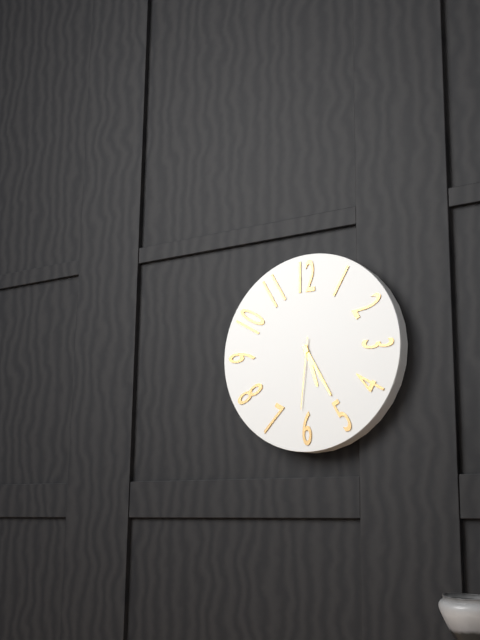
5:25:31
